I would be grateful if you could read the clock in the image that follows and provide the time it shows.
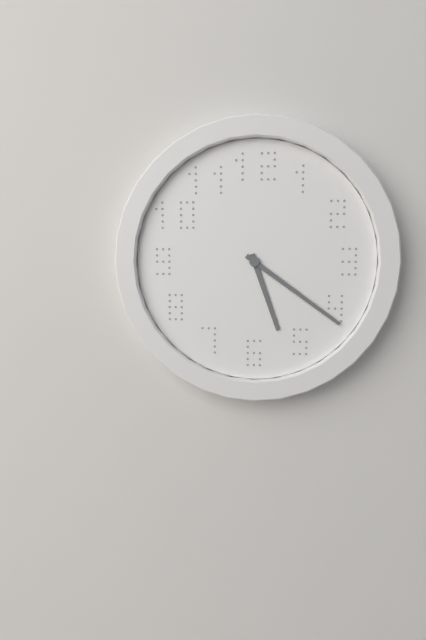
5:21
